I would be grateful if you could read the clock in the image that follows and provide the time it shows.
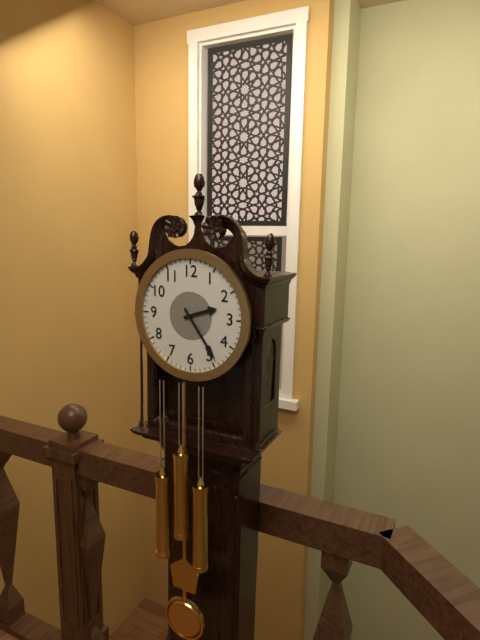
2:24
